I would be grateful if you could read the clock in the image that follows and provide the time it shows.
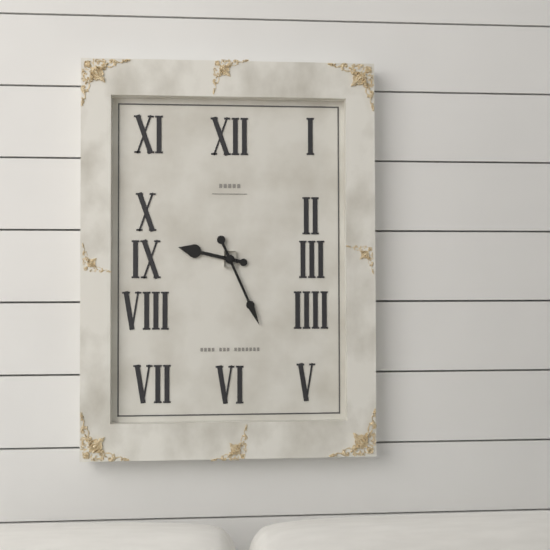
9:26
